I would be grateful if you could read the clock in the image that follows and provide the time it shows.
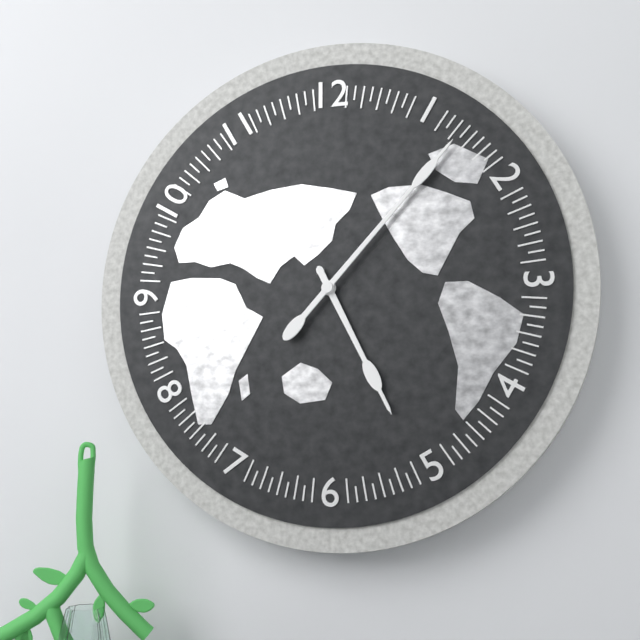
5:07
